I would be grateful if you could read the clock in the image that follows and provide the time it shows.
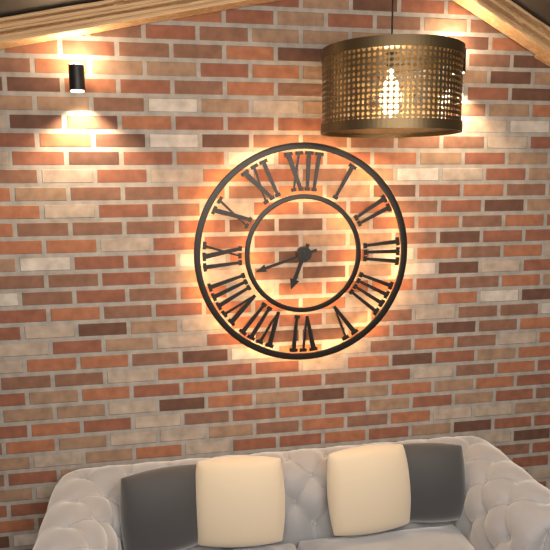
6:42
